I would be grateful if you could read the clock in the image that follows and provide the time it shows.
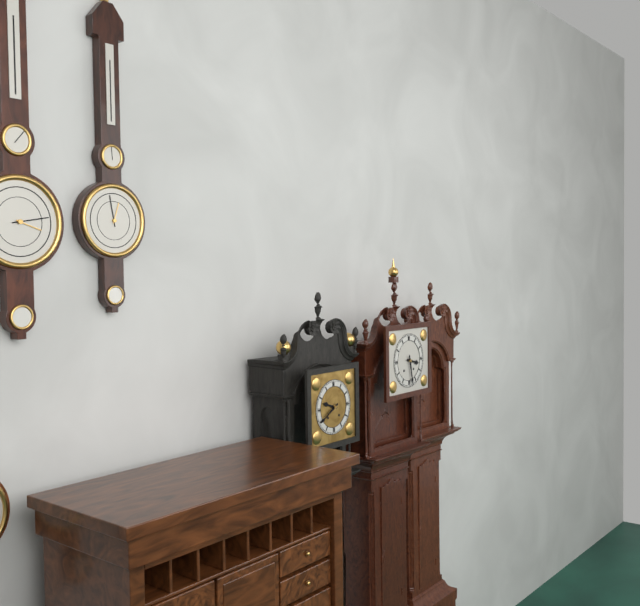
3:28
